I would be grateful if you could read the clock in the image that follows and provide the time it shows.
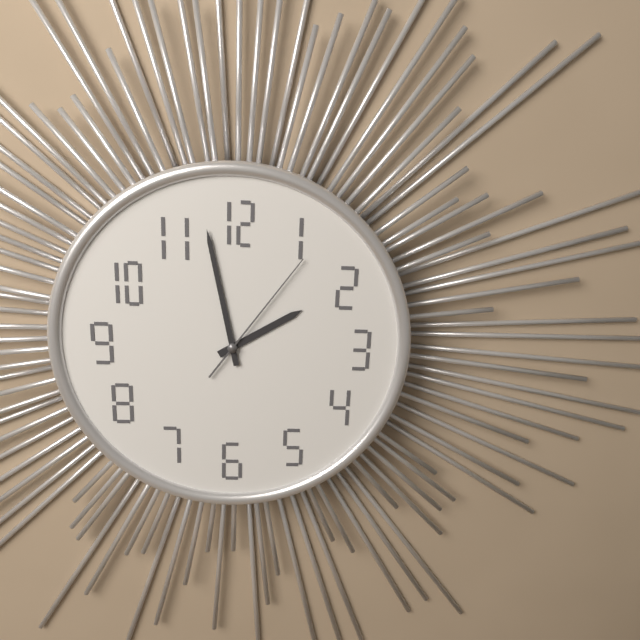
1:58:06
